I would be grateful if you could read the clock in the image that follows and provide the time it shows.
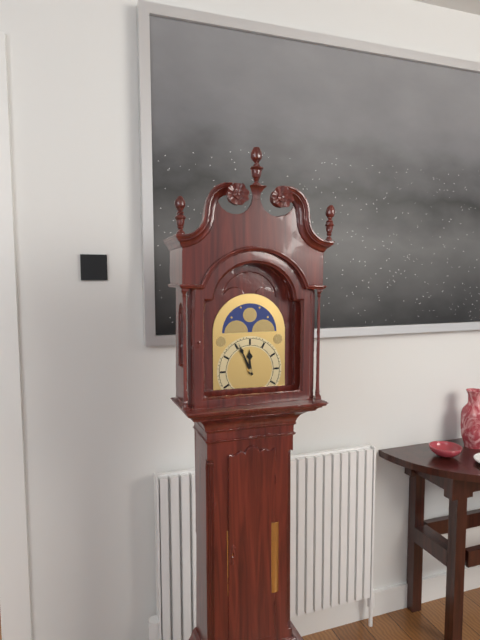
11:56
